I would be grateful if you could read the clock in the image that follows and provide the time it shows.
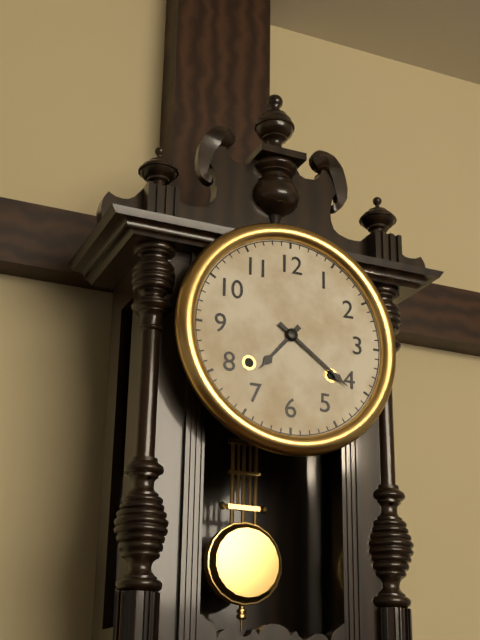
7:21
